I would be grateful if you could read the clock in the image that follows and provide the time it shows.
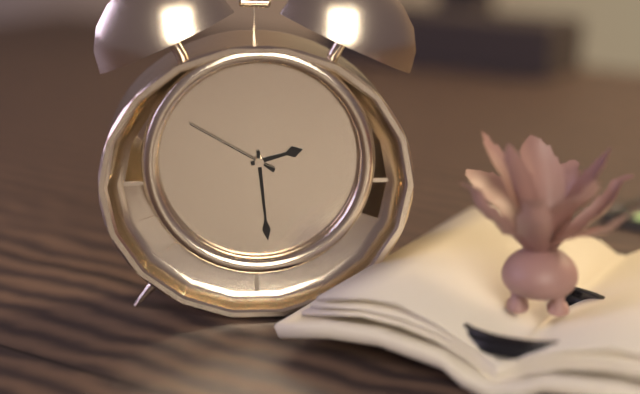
2:29:50
